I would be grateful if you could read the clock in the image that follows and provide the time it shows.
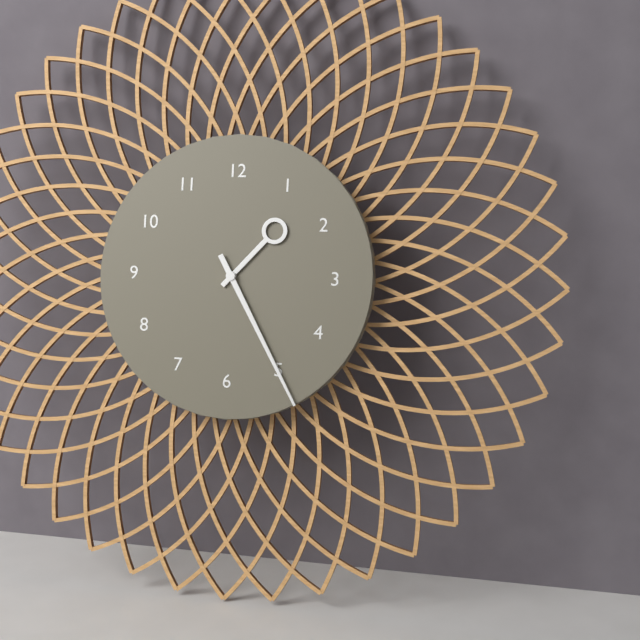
1:25
